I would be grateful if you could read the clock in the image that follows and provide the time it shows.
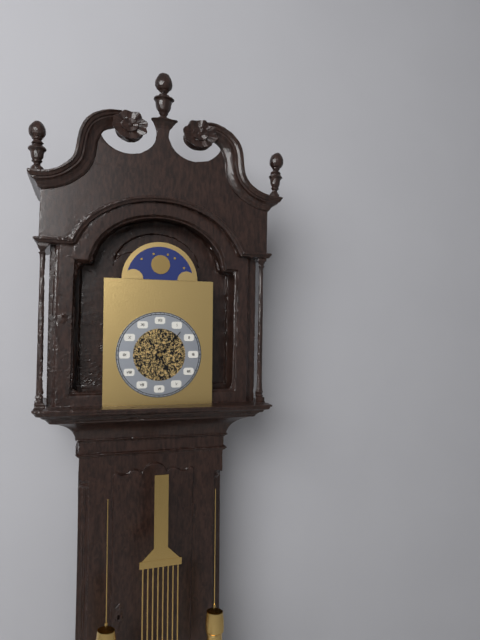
5:07
